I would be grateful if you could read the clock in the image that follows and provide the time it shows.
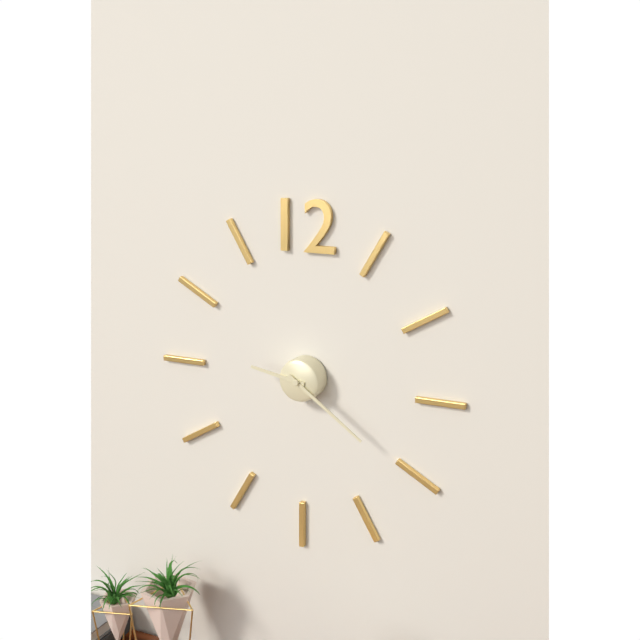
9:21
